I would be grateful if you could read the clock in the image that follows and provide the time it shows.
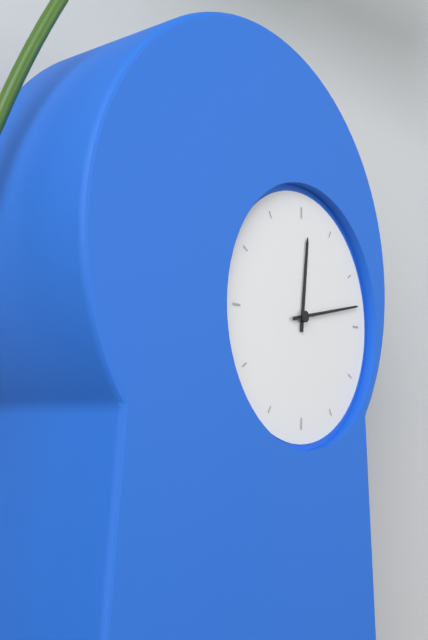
12:13
